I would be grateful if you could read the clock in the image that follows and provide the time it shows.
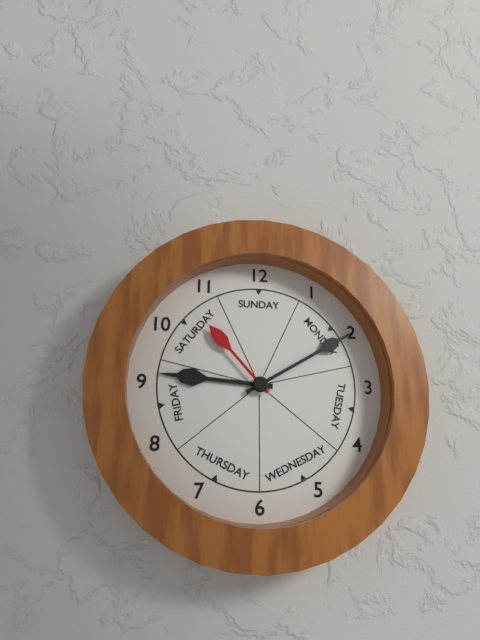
9:10:53
